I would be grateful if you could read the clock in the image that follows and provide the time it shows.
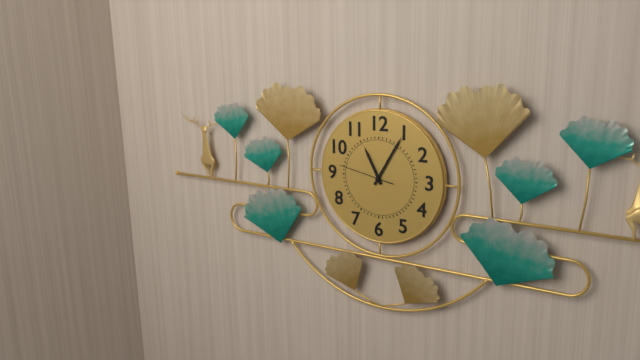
11:05:47
